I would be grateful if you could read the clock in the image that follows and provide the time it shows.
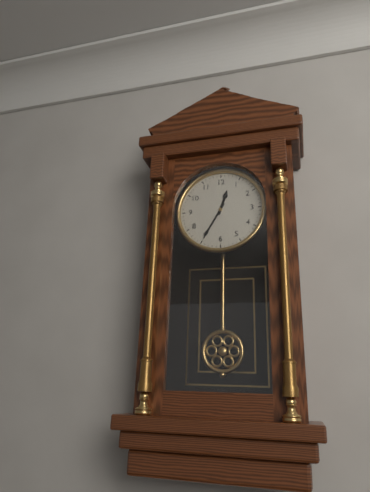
12:35
